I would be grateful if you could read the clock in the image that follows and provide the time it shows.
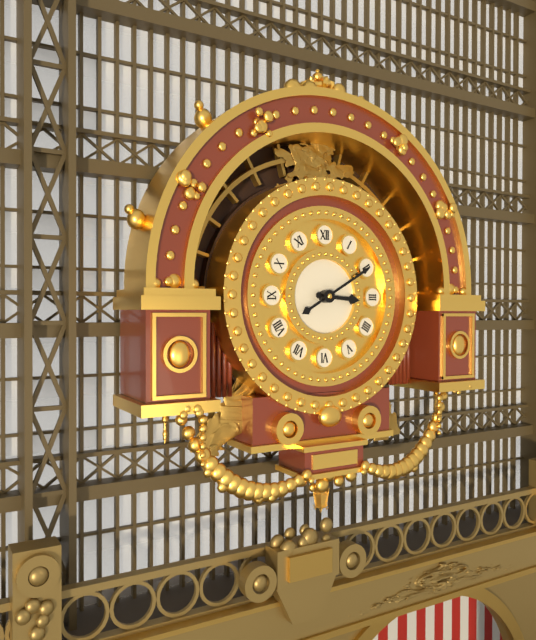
3:10
